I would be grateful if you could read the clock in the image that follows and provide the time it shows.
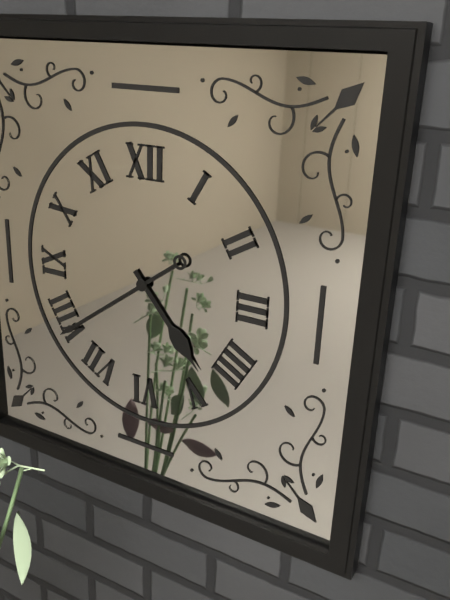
4:39
